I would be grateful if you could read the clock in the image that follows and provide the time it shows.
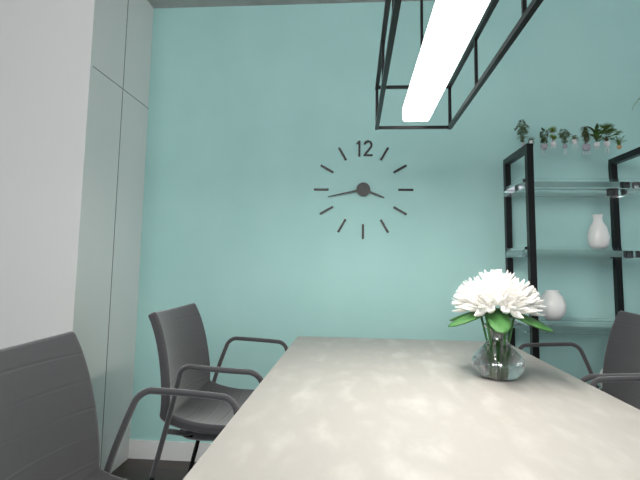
3:43
